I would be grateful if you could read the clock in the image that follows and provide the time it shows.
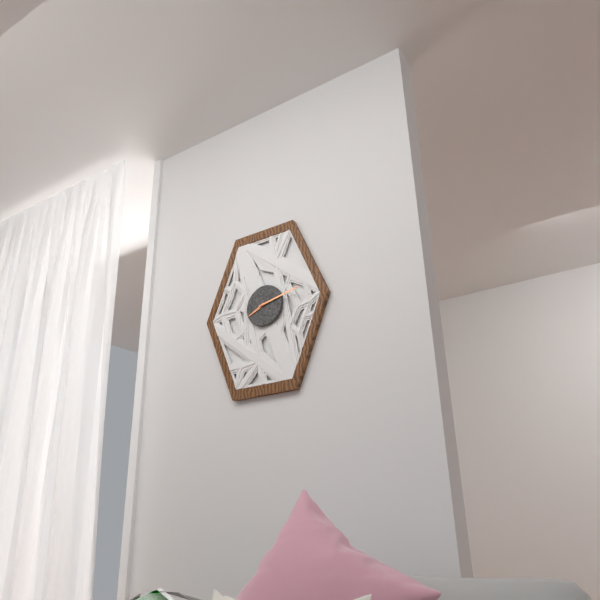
8:13
